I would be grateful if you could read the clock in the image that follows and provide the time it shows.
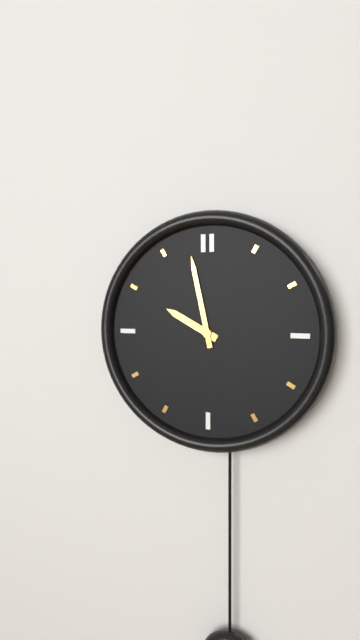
9:58
